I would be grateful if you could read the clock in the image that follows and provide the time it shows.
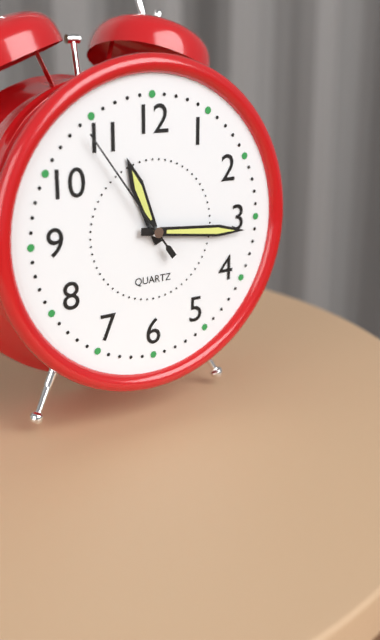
11:16:54
